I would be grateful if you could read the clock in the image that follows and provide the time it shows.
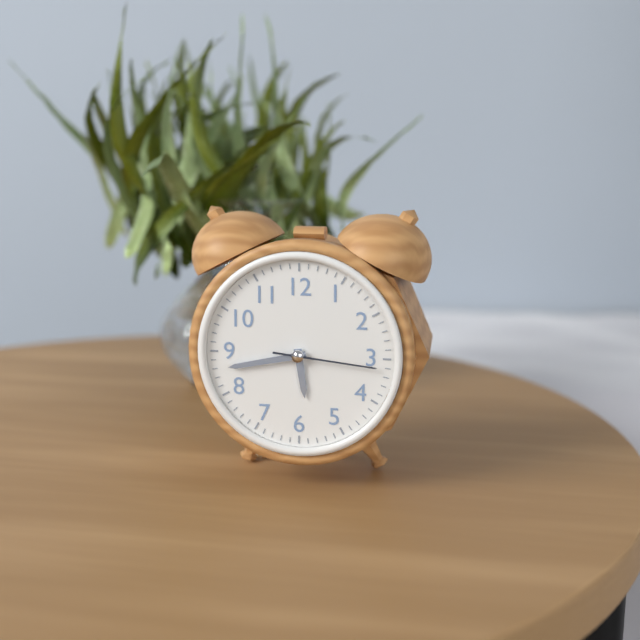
5:43:16
